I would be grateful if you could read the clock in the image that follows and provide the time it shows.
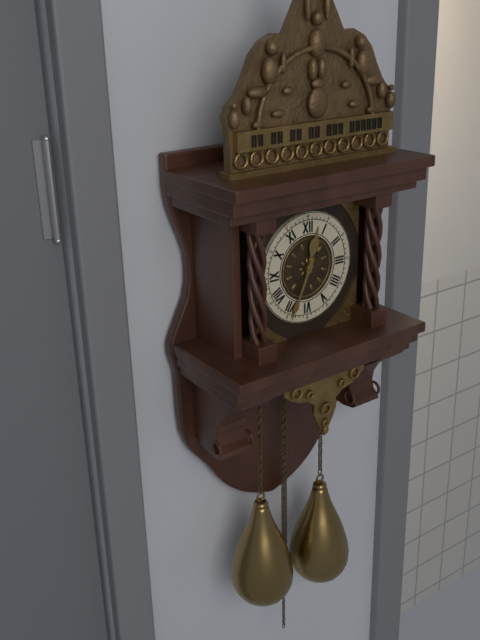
12:34
